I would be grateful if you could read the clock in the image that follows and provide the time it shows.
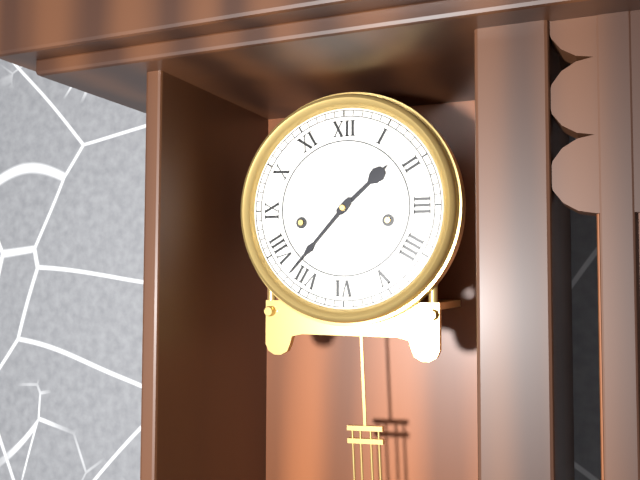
1:37
